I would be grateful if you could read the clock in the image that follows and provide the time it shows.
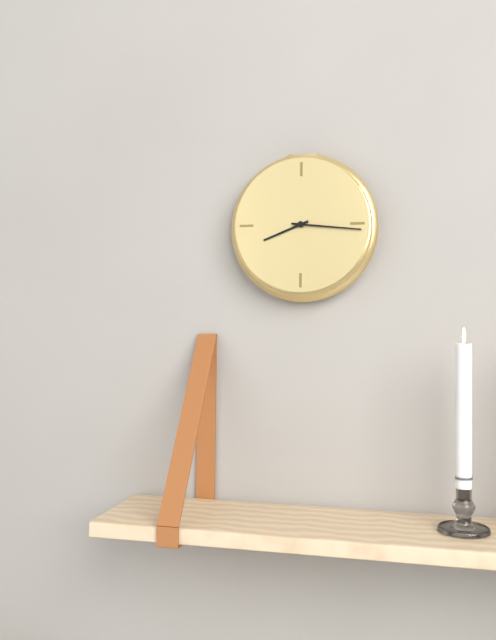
8:16
